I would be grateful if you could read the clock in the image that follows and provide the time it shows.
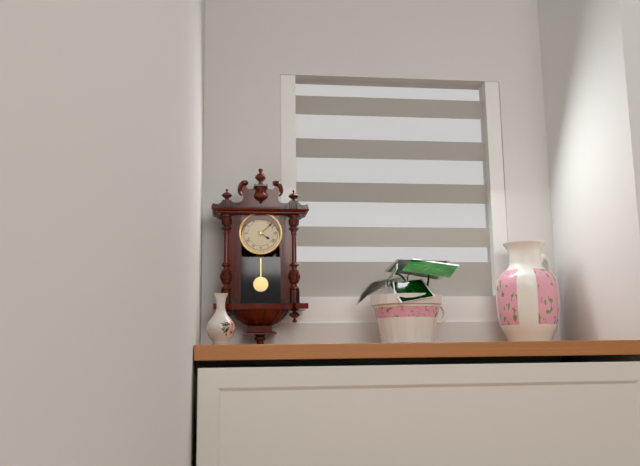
4:08
